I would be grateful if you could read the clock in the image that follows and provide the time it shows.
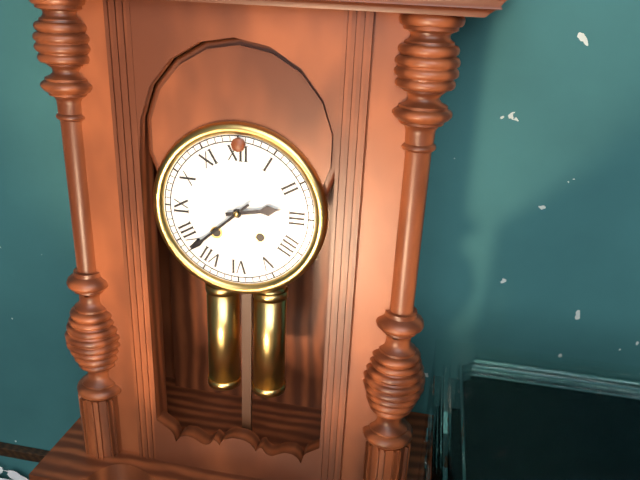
2:38
